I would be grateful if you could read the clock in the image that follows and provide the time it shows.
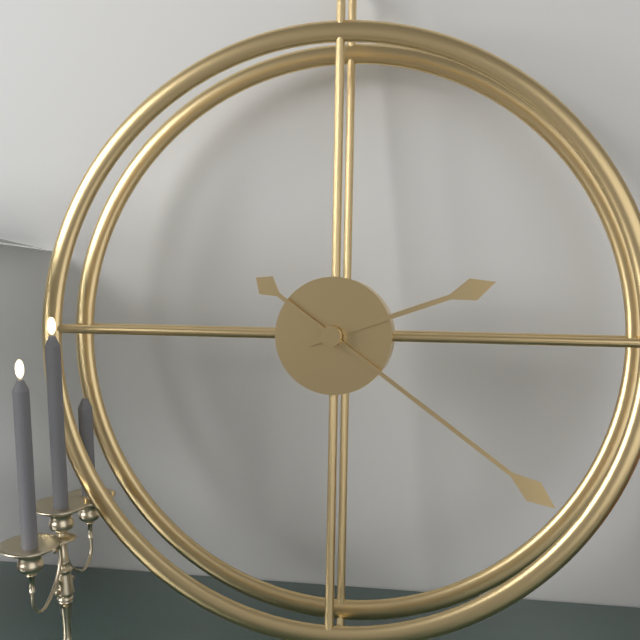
2:21
